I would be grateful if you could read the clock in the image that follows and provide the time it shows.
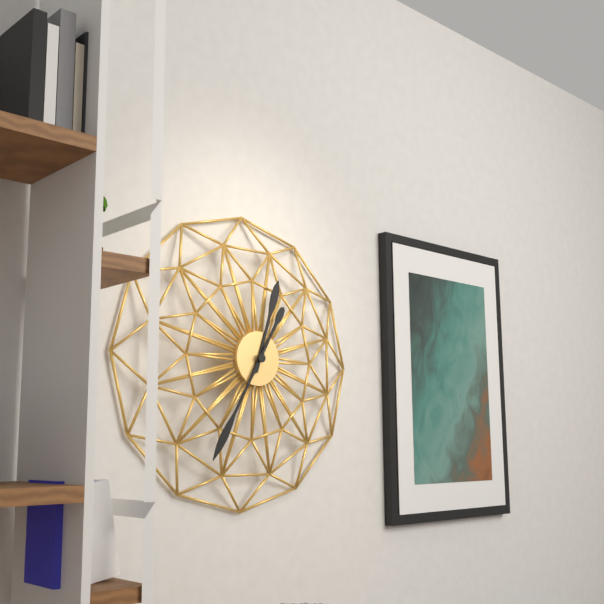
12:35
